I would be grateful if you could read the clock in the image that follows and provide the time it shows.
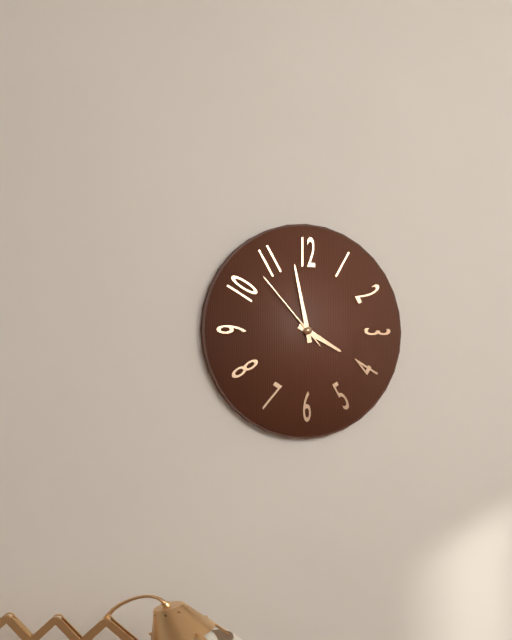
3:58:53
